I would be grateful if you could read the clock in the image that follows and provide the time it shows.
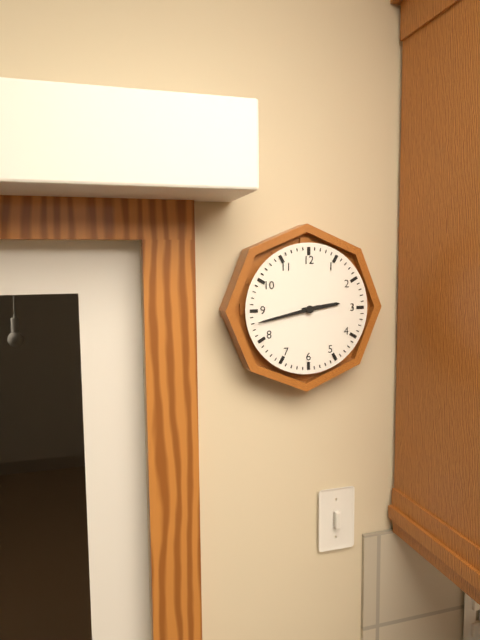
2:43
